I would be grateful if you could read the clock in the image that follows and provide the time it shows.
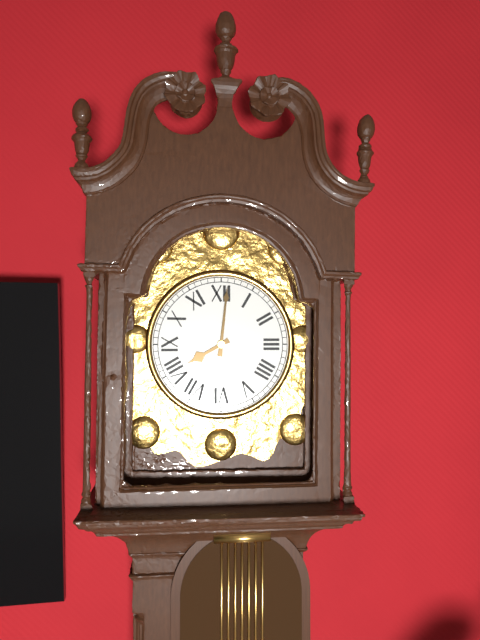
8:01
